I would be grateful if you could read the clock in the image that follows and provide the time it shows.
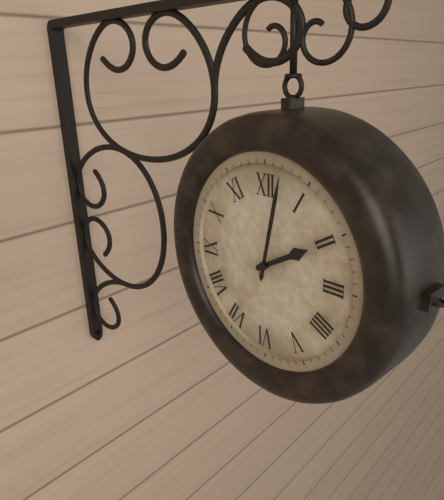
2:02
